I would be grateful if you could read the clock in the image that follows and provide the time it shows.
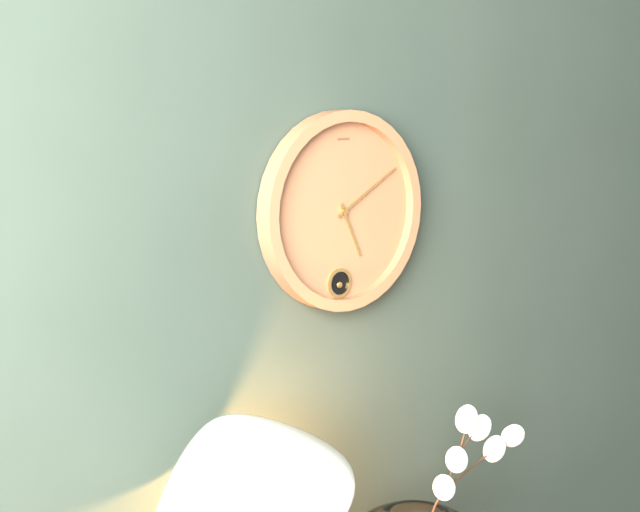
5:10
